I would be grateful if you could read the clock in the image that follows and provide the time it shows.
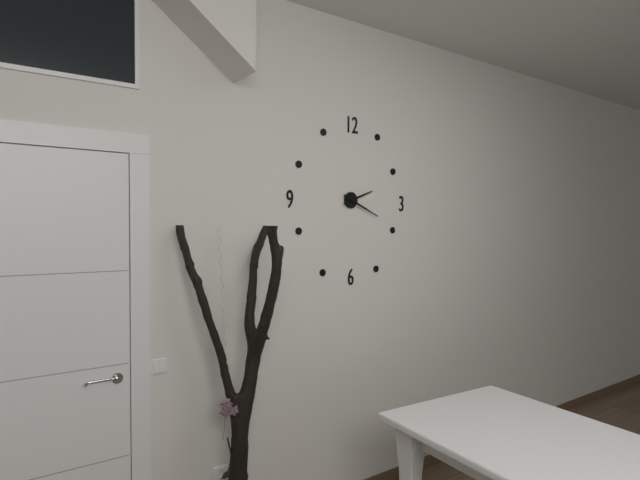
2:19
